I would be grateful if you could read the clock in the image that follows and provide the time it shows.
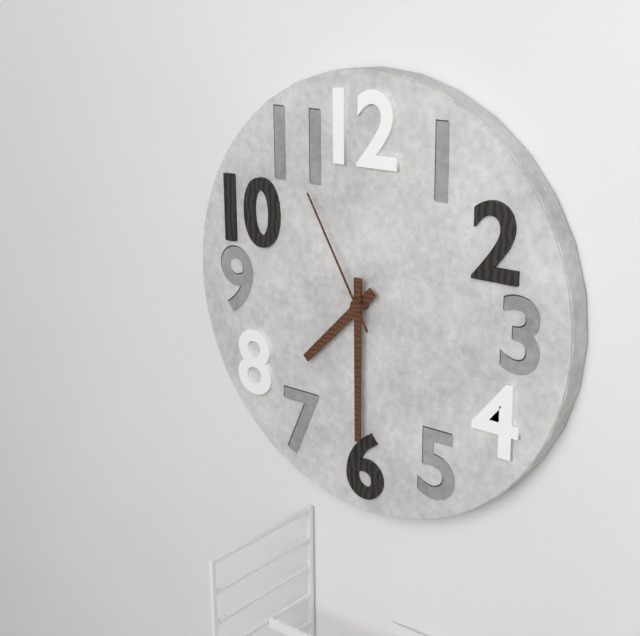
7:30:55
